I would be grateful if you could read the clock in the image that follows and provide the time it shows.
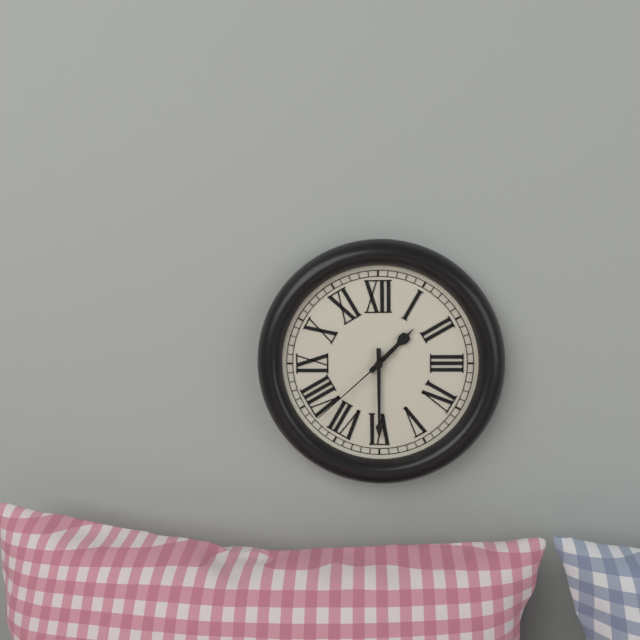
1:30:38
